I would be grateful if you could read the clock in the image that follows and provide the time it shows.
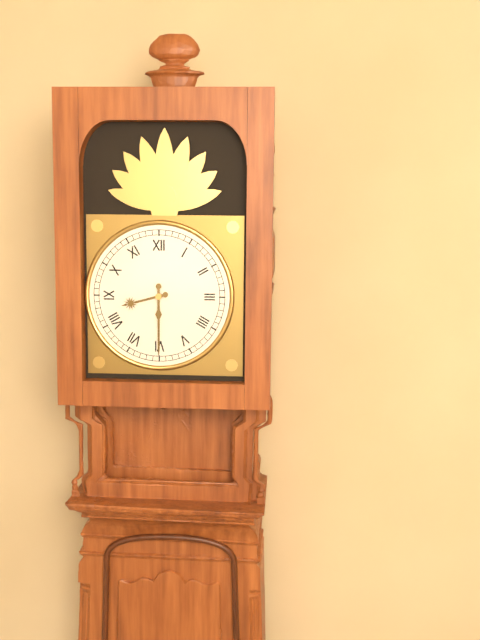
8:30
